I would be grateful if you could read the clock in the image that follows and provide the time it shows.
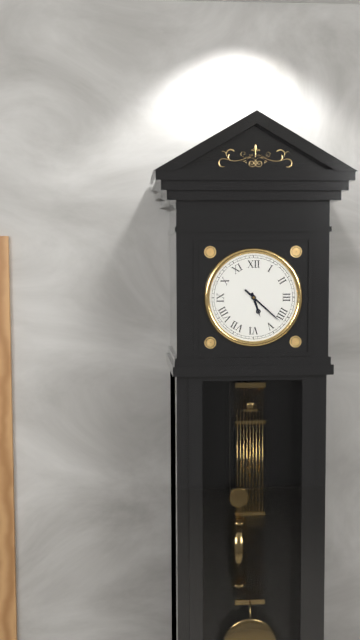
5:22
